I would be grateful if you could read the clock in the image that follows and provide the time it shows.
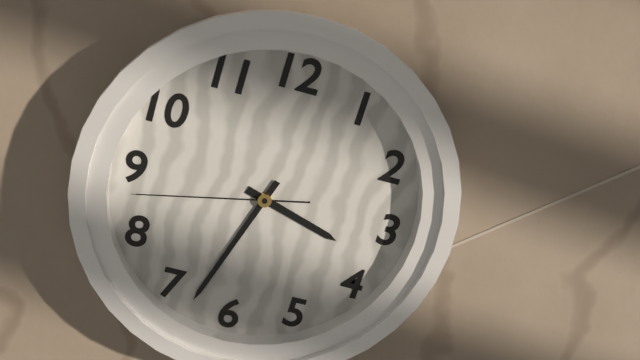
3:33:43
